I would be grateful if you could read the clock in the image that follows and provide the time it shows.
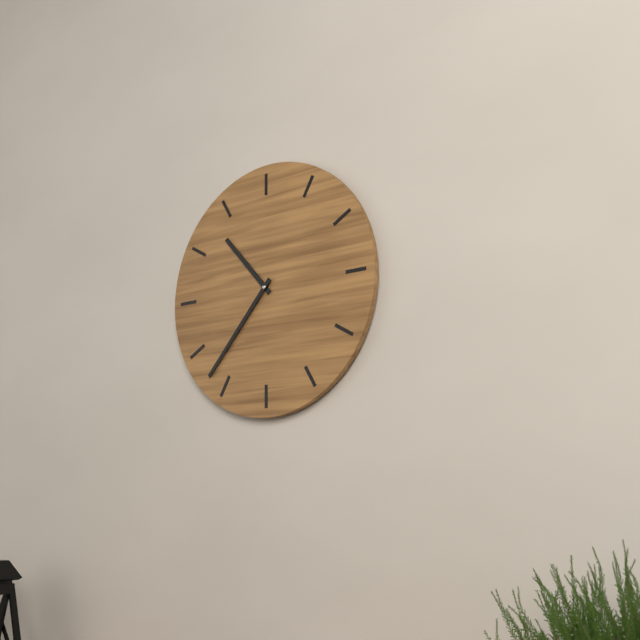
10:37
